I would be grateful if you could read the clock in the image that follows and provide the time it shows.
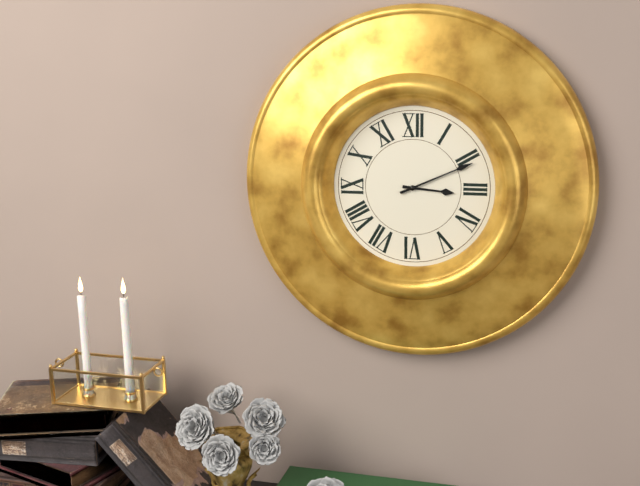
3:11
